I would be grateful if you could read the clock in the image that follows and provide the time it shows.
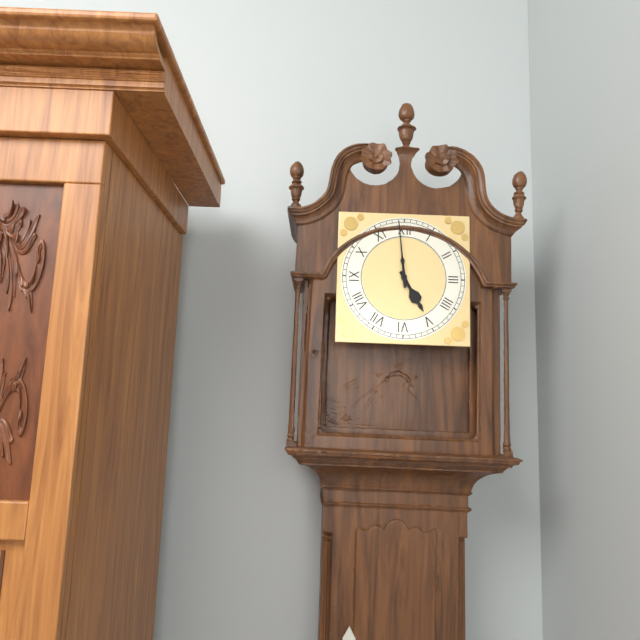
4:59
